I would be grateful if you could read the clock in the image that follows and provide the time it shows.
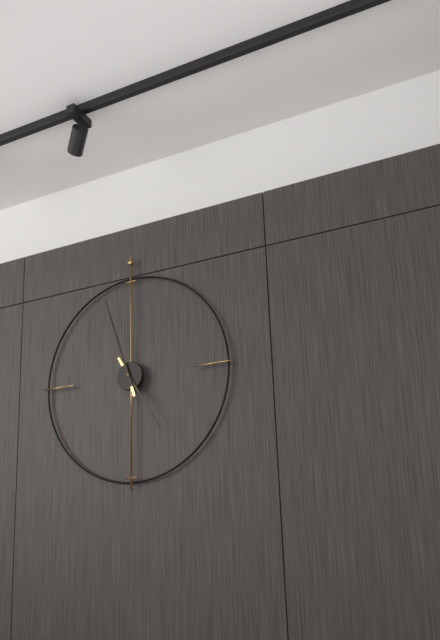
4:57
